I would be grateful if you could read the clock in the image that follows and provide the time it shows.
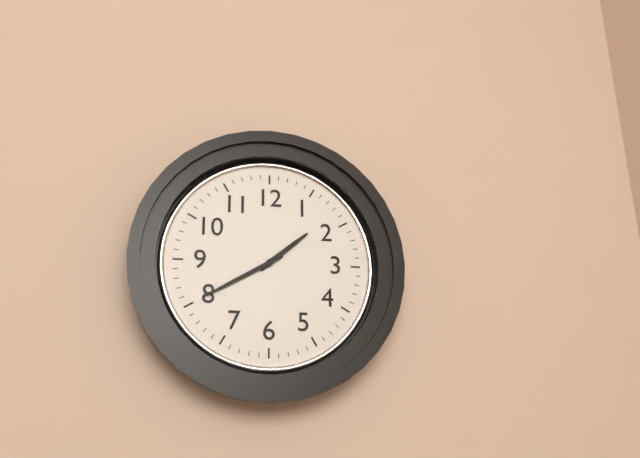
1:40
